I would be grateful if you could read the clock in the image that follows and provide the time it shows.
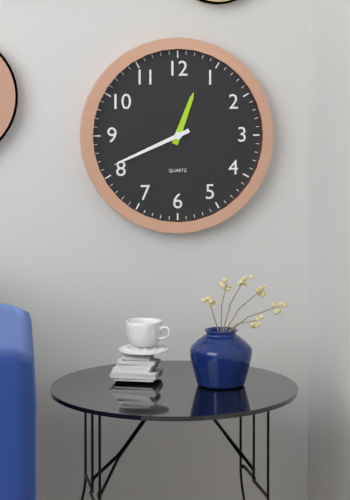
12:41
